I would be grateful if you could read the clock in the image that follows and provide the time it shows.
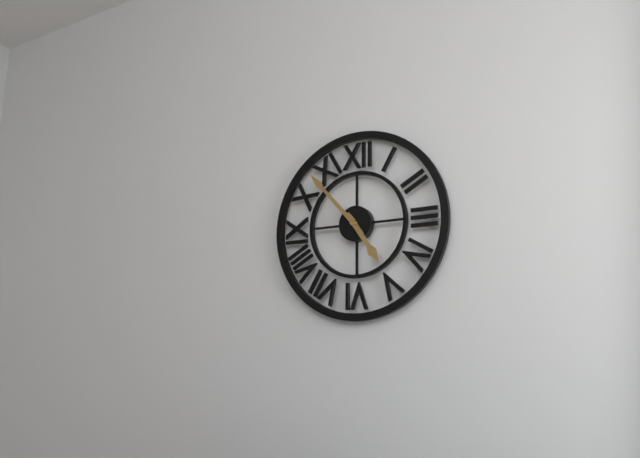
4:53
